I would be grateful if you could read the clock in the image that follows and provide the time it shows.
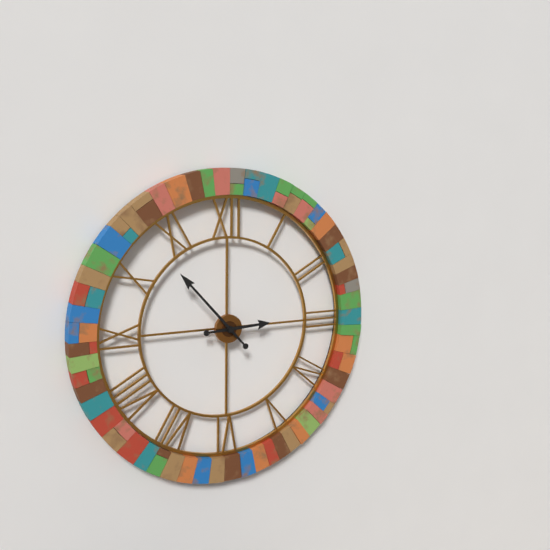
2:53
